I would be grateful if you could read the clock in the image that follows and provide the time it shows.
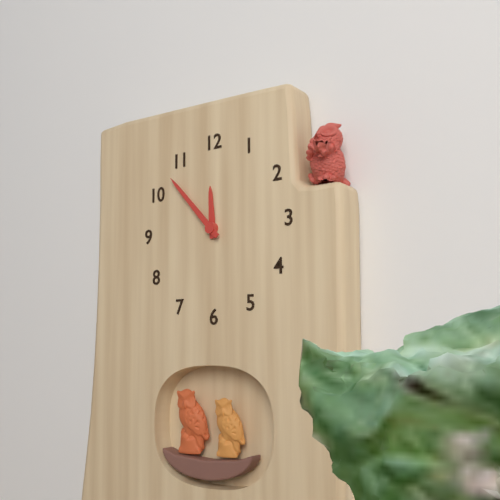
11:53
